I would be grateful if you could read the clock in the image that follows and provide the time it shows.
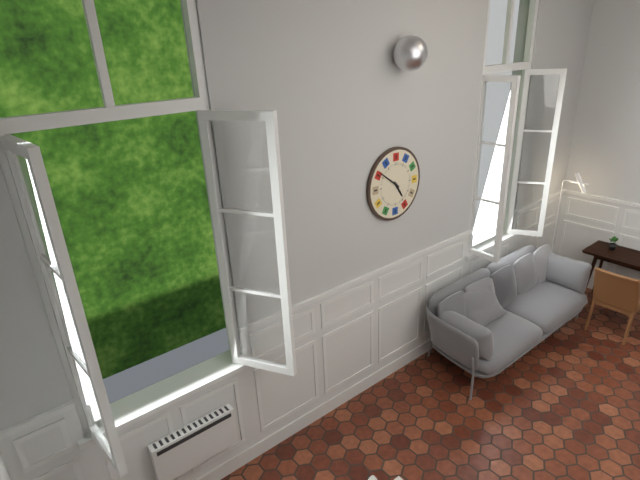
4:51
